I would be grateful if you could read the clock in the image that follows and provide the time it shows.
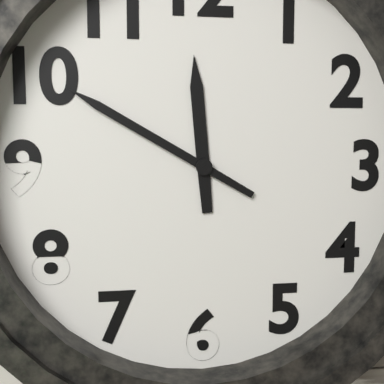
11:50
